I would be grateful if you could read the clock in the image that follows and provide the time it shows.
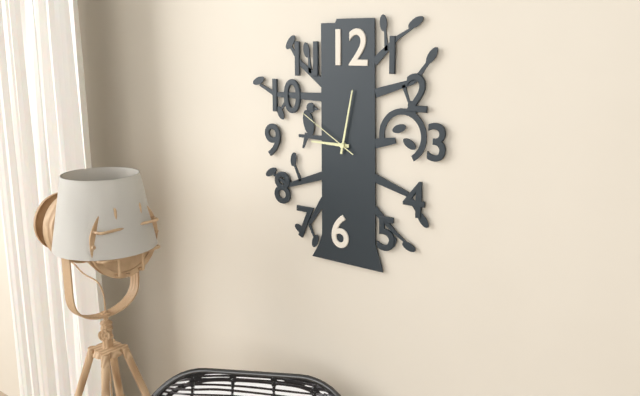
9:02:50
